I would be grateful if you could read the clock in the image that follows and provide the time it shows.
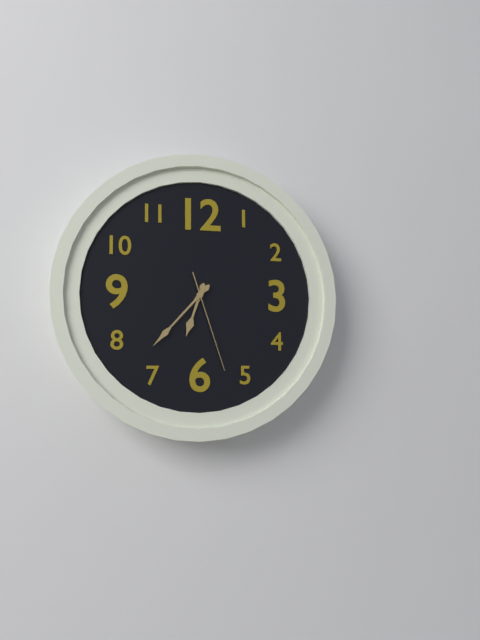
6:37:27
